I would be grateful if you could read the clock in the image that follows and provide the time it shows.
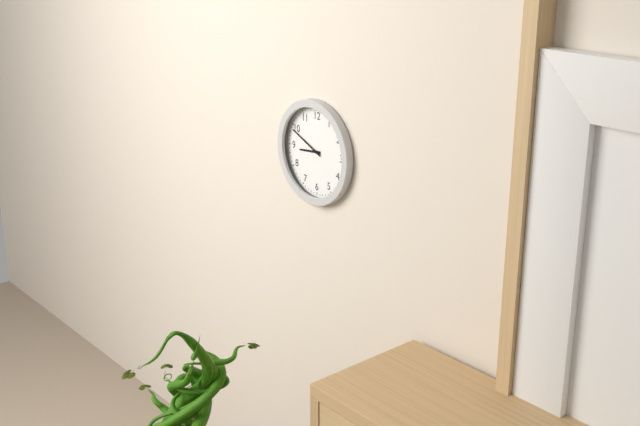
8:49
